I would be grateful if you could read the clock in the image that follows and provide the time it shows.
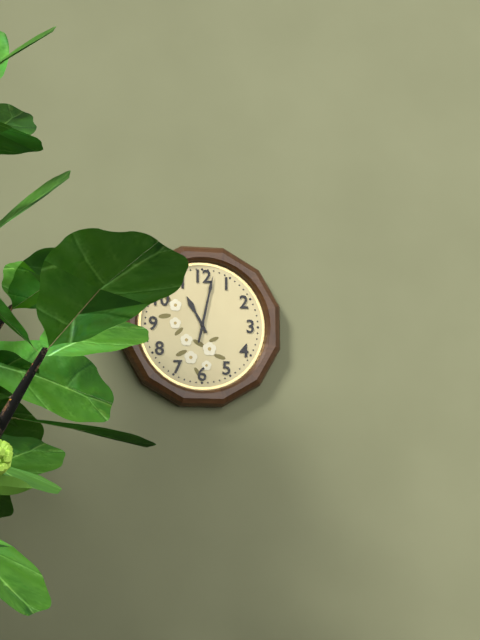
11:02
